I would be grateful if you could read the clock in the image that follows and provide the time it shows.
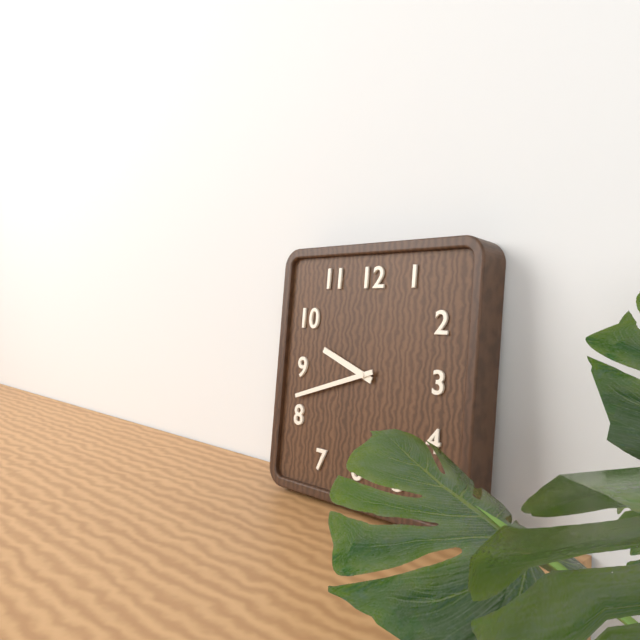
9:42
